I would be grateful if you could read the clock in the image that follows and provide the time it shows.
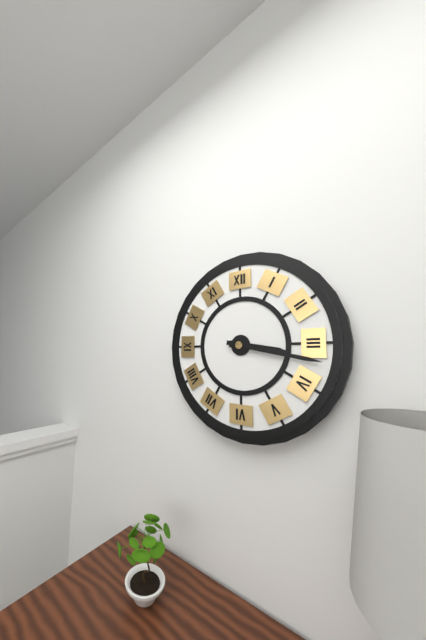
3:17
